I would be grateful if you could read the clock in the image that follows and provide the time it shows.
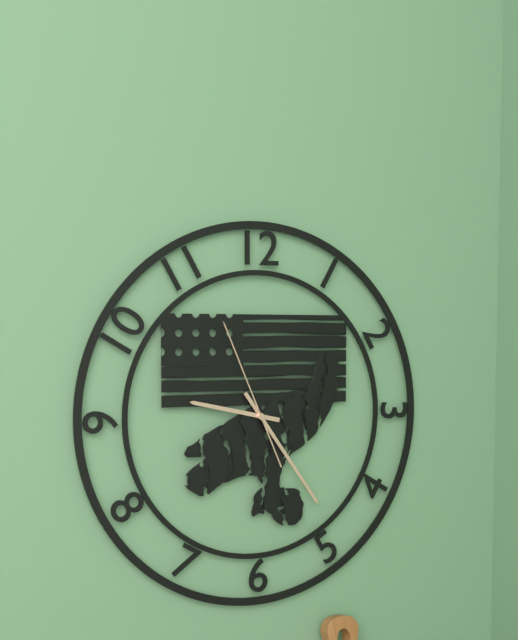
9:24:56
